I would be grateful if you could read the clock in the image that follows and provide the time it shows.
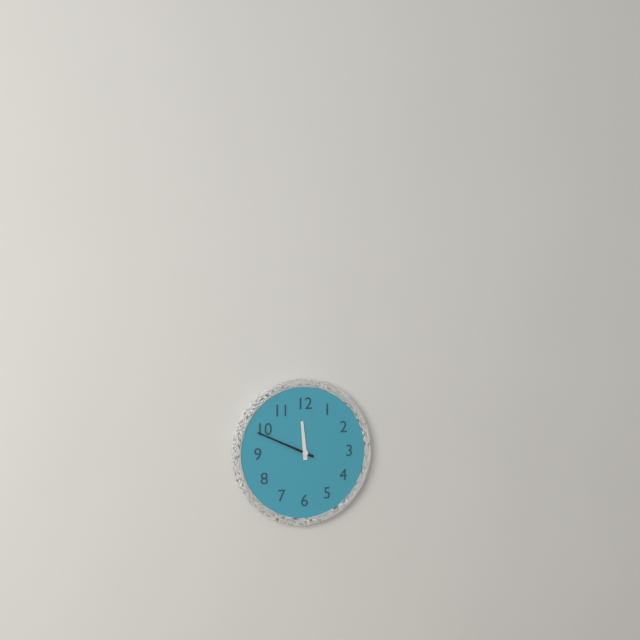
11:49
